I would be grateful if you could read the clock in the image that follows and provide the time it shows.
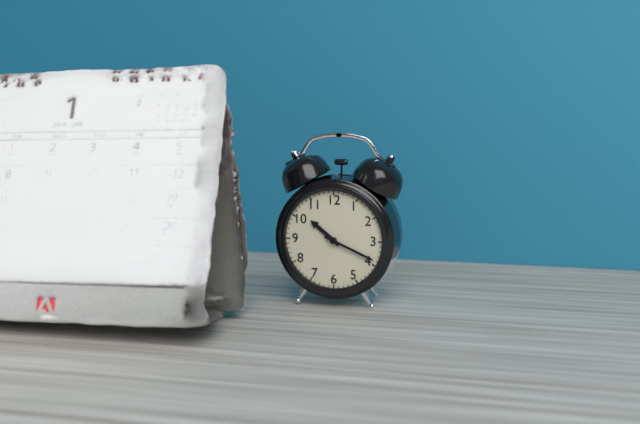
10:19
